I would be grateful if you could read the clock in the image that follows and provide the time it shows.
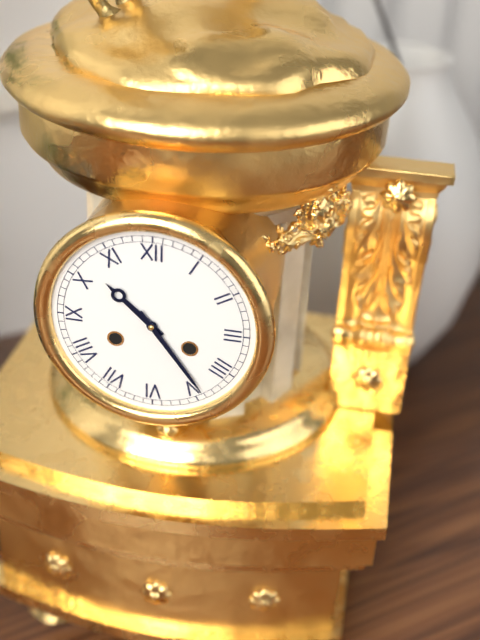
10:24
